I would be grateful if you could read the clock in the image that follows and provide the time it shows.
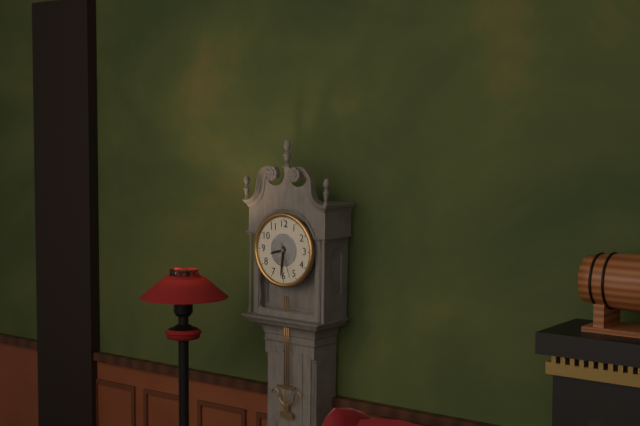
8:31
